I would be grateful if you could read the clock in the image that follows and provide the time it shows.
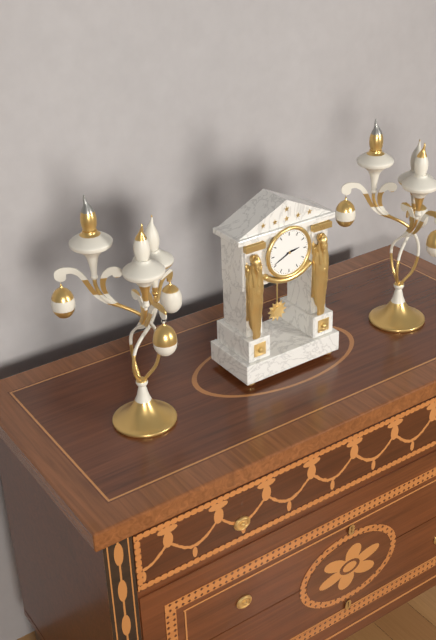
2:41
